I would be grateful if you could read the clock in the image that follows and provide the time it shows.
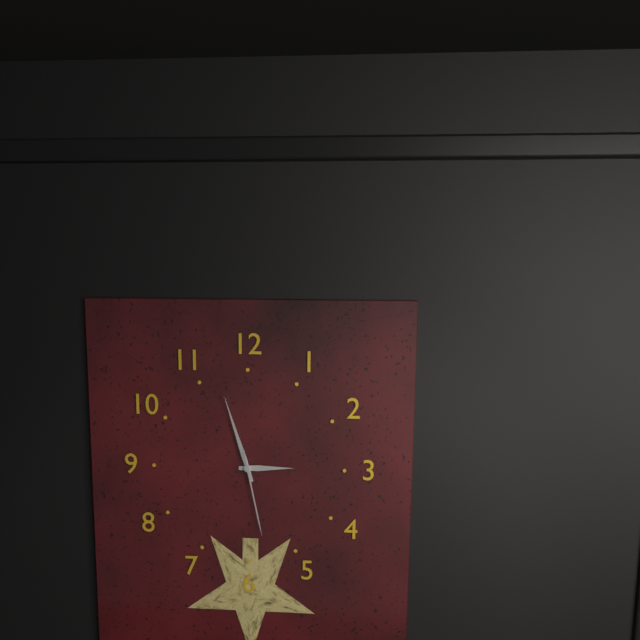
2:57:28
